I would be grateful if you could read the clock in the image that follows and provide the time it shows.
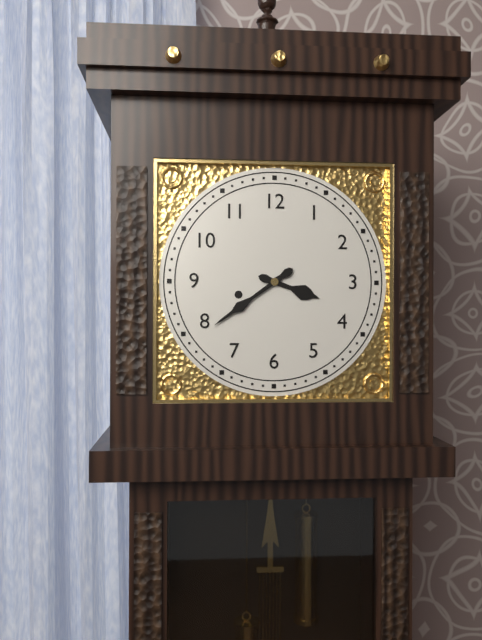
3:39
